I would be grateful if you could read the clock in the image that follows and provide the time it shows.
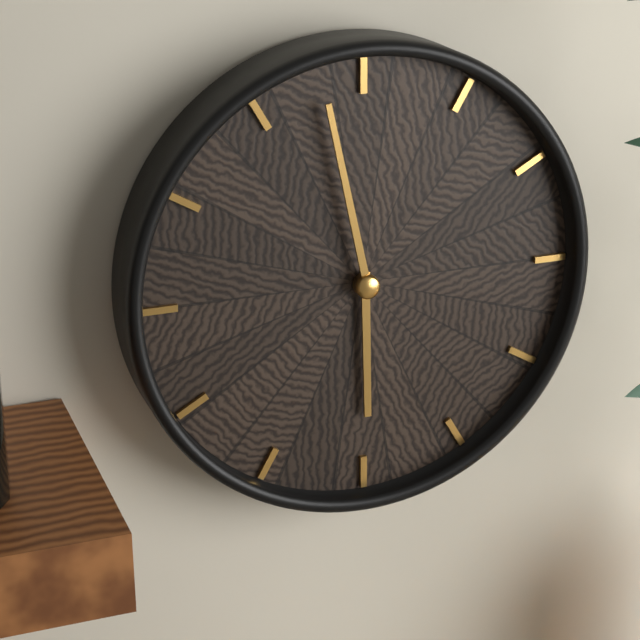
5:58
